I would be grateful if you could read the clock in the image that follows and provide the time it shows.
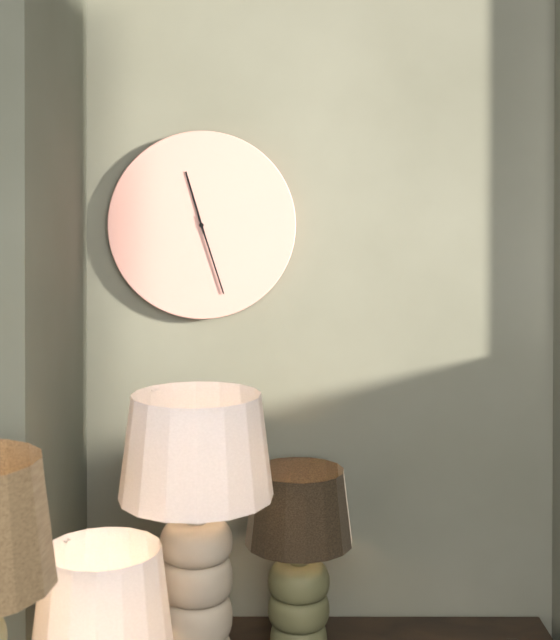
11:27
